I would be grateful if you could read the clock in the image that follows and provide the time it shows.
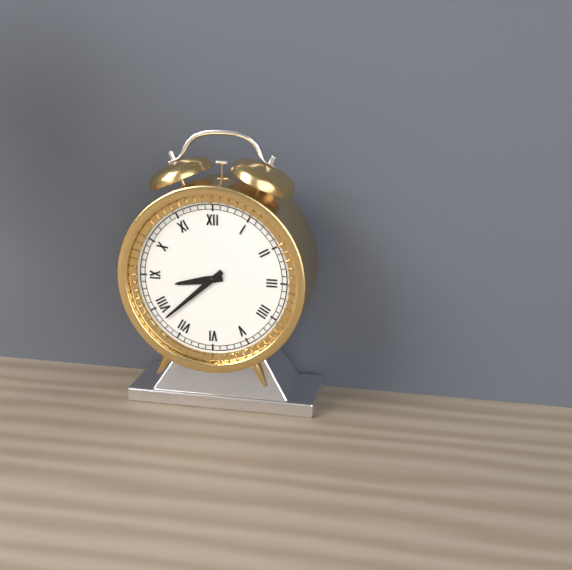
8:38
